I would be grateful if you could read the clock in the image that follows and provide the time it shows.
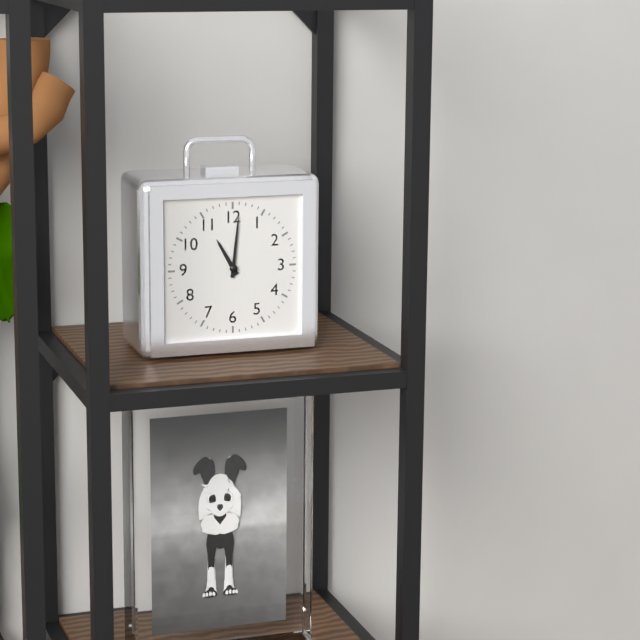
11:01
